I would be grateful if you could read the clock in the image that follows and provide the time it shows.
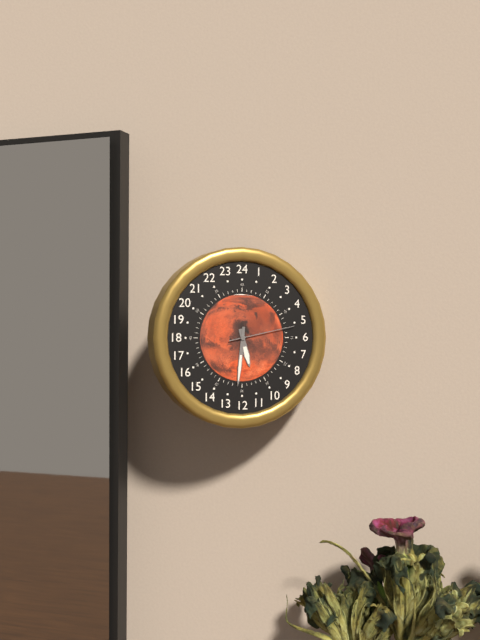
5:31:13
